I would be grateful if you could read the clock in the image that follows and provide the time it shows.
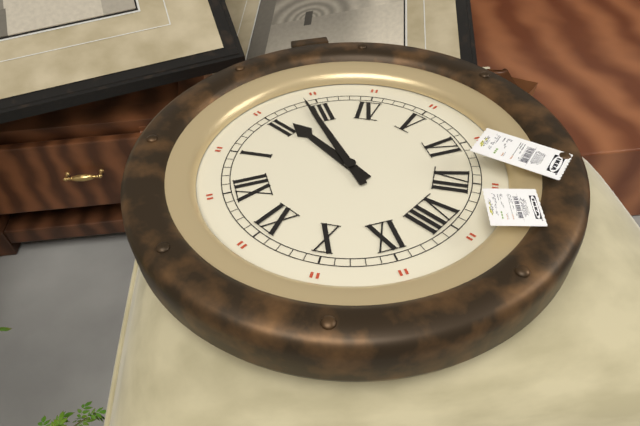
2:14
